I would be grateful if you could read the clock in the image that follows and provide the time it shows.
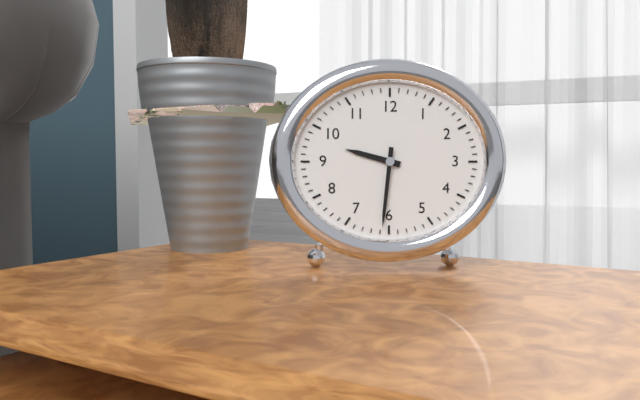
9:31
